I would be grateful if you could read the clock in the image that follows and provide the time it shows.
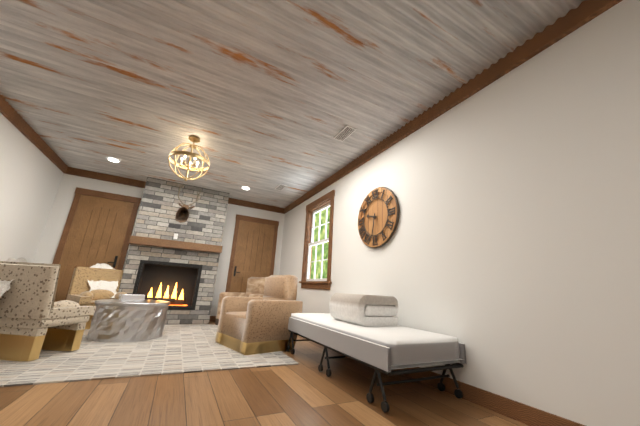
9:32
